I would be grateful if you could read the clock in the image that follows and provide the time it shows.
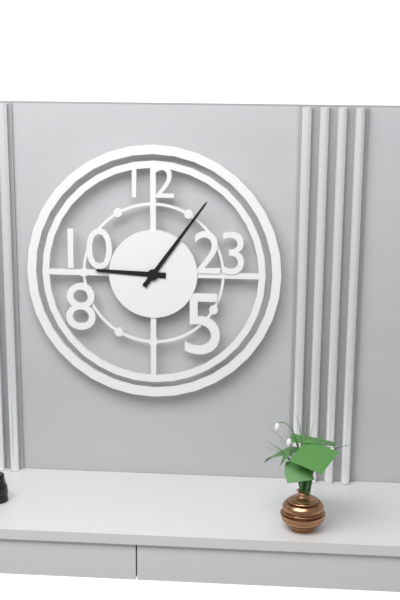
9:06
